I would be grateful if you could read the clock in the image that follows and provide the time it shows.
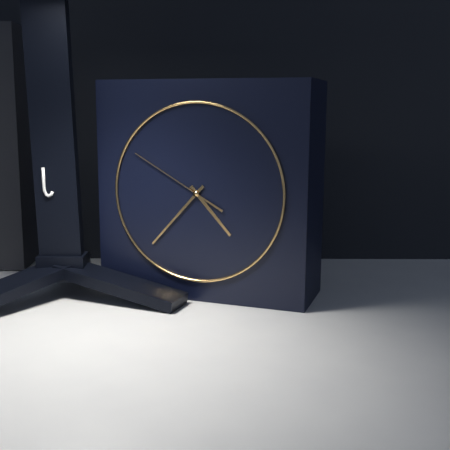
4:37:50
